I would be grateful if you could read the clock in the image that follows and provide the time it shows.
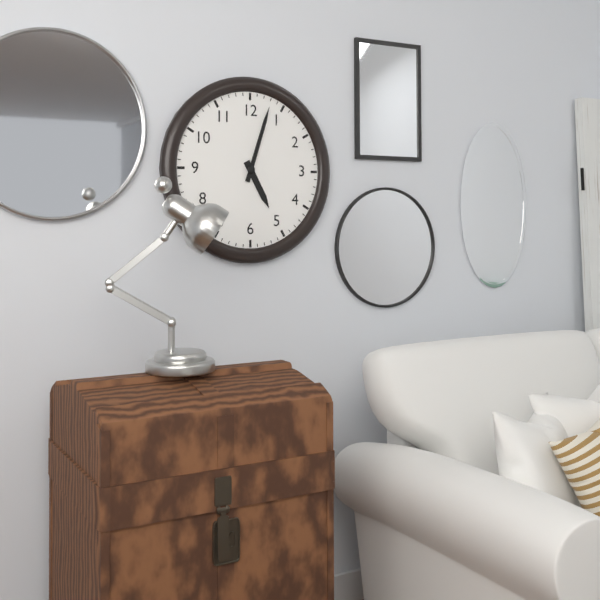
5:03
